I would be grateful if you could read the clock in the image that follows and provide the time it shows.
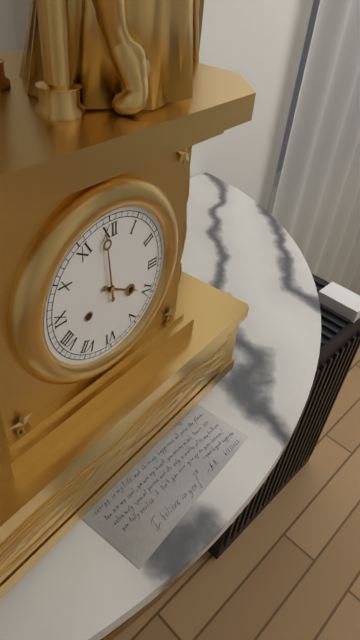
3:59
